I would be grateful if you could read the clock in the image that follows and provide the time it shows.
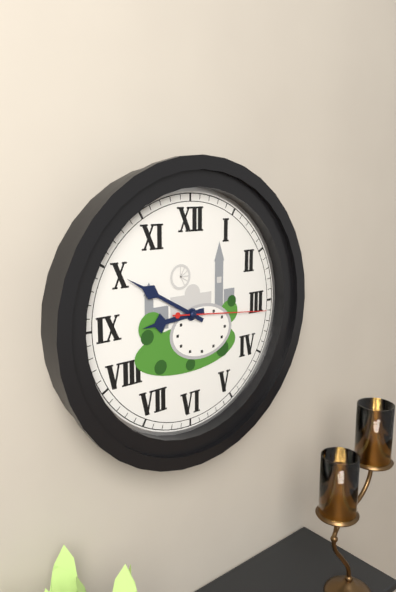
8:50:16
